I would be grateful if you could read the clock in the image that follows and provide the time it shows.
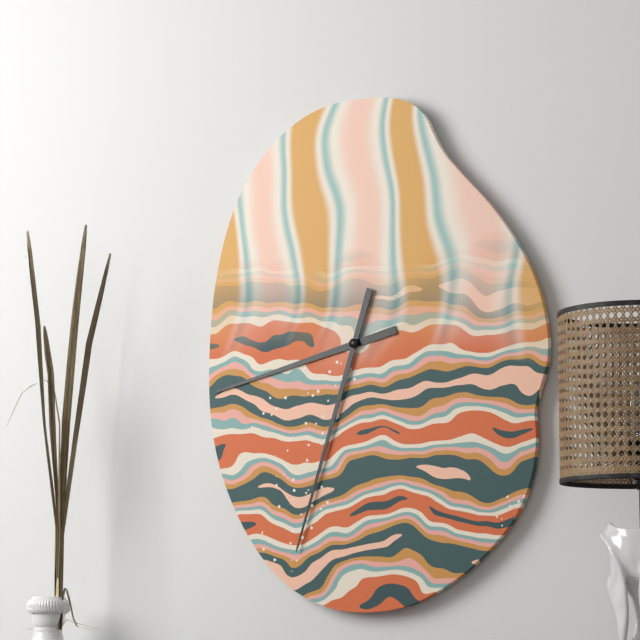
8:33
